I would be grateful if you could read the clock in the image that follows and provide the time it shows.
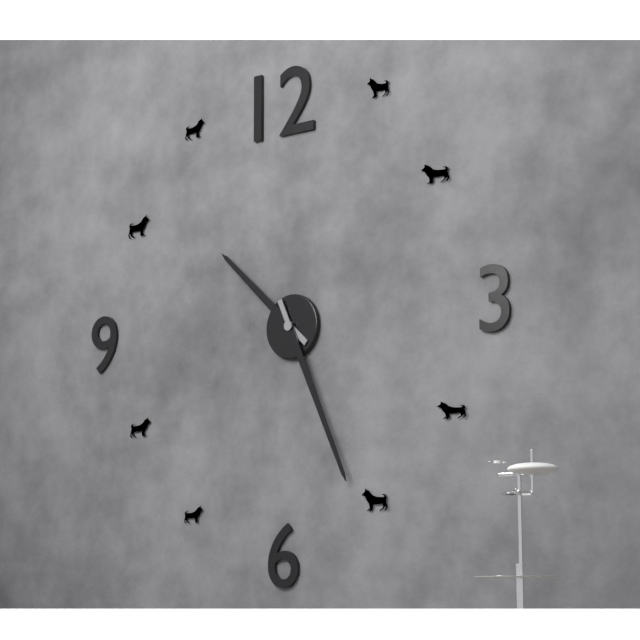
10:26
